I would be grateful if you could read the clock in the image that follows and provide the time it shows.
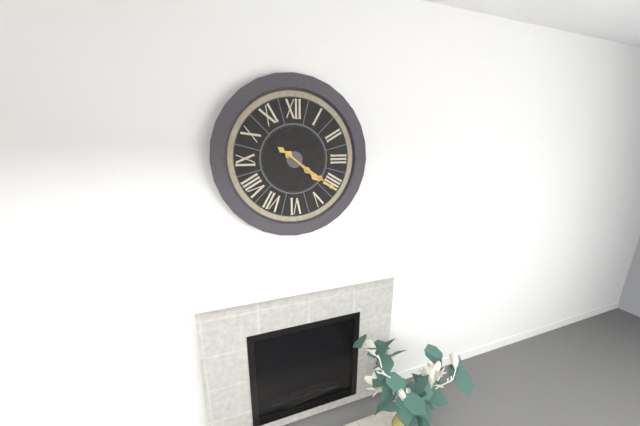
4:21
